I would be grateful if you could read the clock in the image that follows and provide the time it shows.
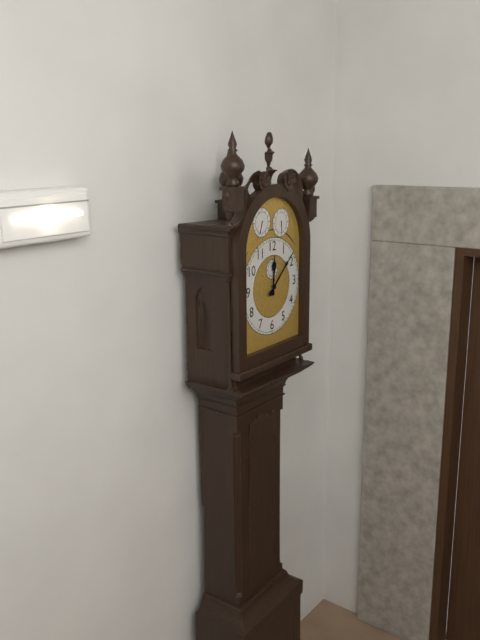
12:08
